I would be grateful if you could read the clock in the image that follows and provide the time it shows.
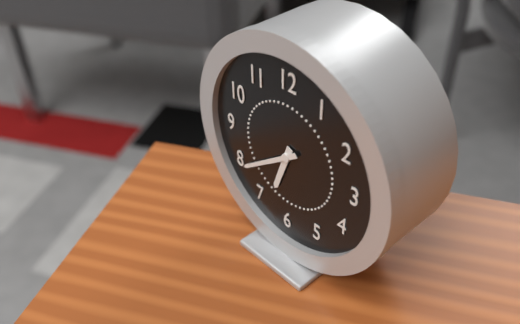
6:39
